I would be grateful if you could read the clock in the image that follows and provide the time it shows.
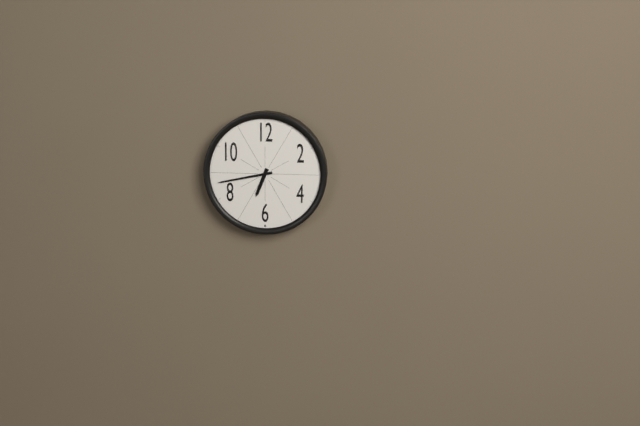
6:43
